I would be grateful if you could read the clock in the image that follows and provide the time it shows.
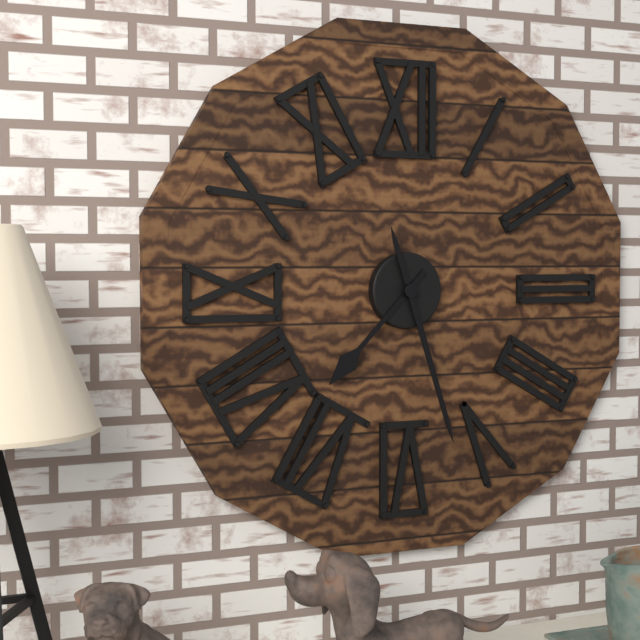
7:27
